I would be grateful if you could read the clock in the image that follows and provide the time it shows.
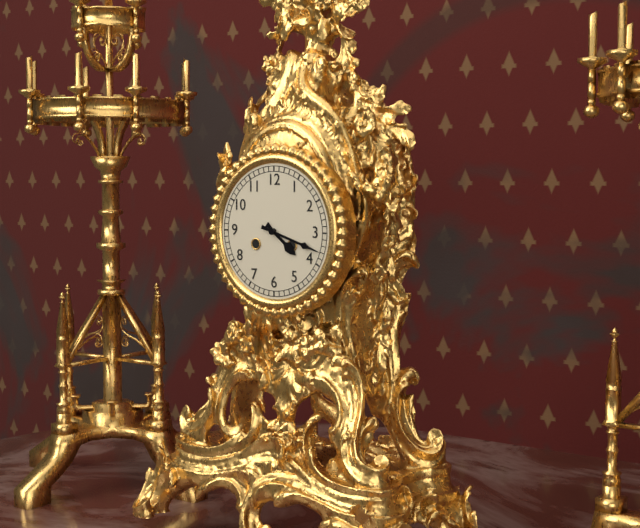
4:18
